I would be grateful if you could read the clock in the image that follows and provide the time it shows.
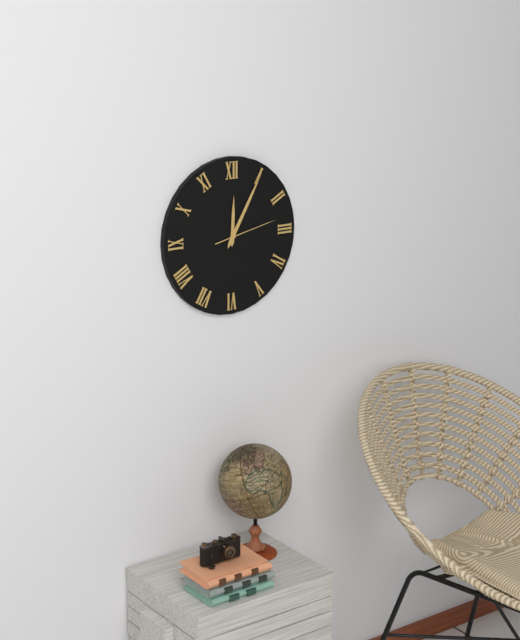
12:05:13
